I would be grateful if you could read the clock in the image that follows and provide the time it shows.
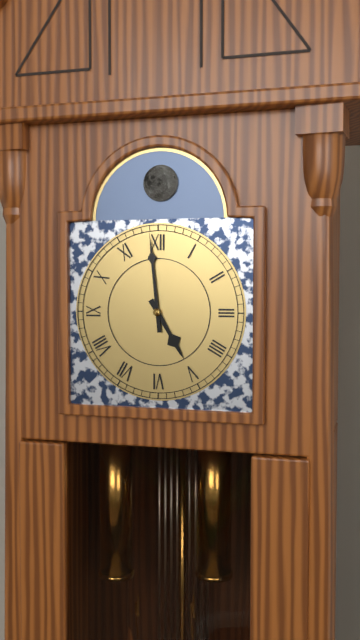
4:59
